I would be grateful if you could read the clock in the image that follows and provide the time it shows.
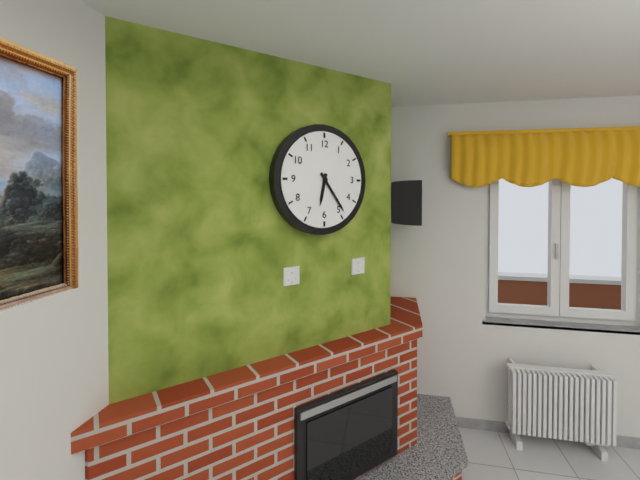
6:24
